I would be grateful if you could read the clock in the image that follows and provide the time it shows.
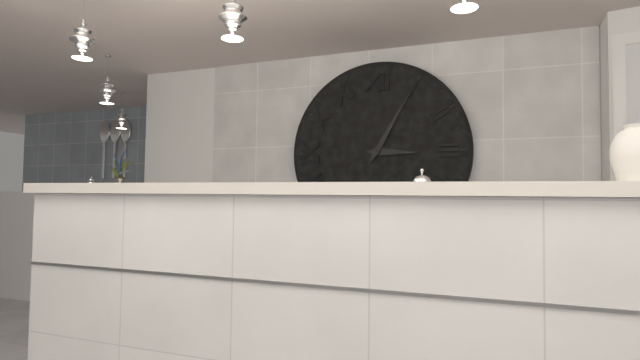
3:05
